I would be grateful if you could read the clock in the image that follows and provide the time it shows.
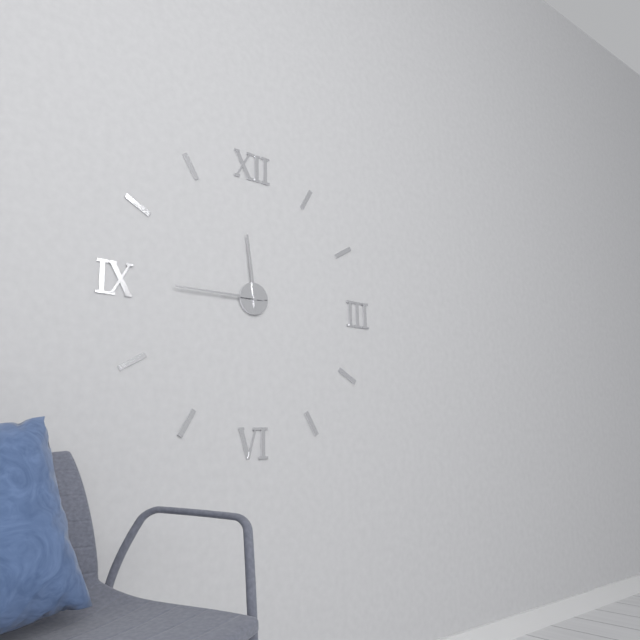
11:45
